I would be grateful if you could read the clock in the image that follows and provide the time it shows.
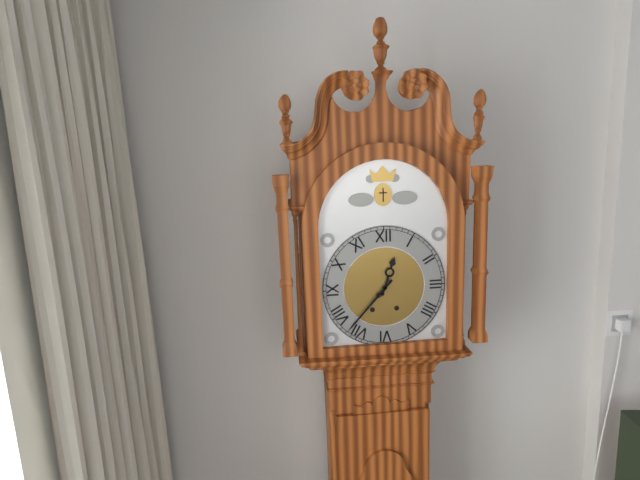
12:37
